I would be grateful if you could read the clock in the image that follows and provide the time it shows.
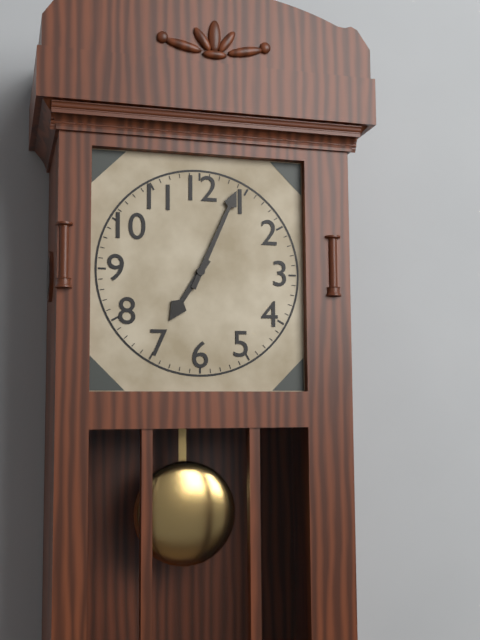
7:04
